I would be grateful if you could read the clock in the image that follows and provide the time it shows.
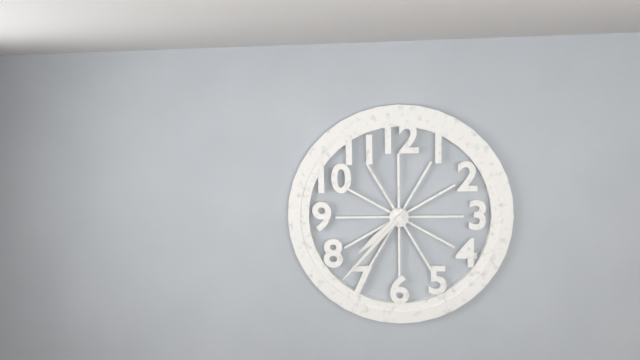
7:37
